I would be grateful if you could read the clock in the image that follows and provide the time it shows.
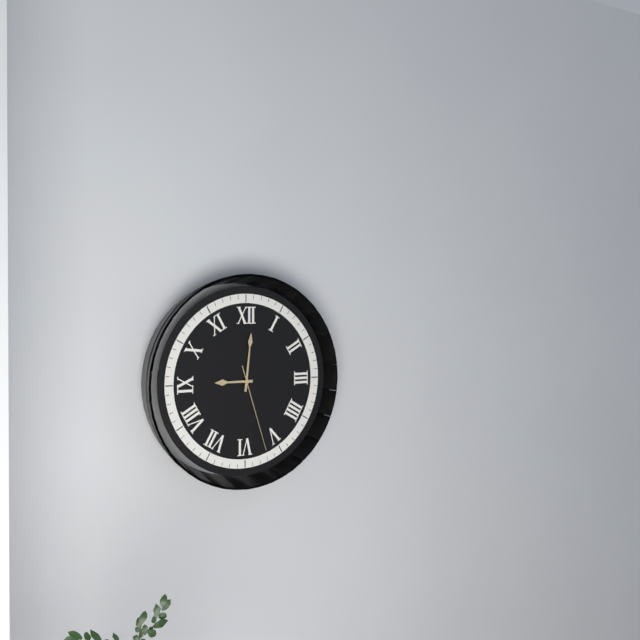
9:01:27
